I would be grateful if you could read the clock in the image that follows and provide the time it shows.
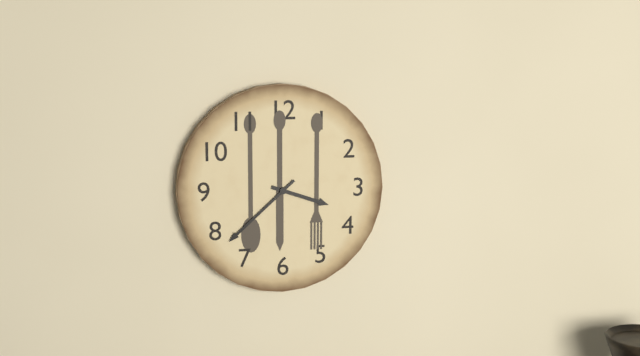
3:38
